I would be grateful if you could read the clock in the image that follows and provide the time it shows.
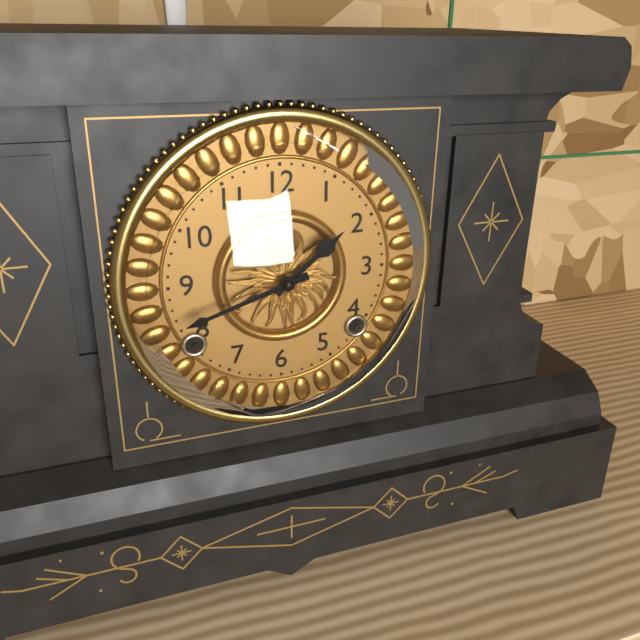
1:42
